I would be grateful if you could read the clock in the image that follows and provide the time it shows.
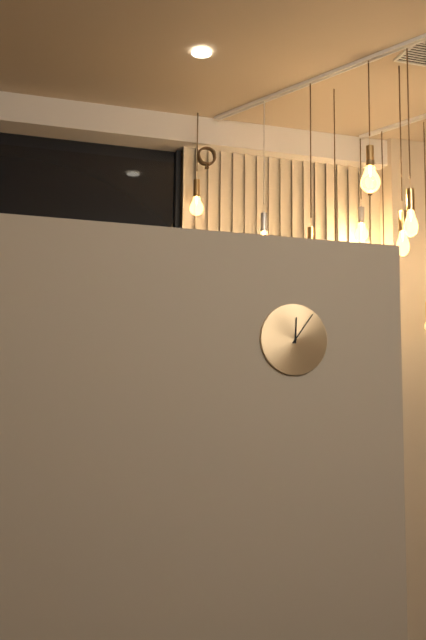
12:06
